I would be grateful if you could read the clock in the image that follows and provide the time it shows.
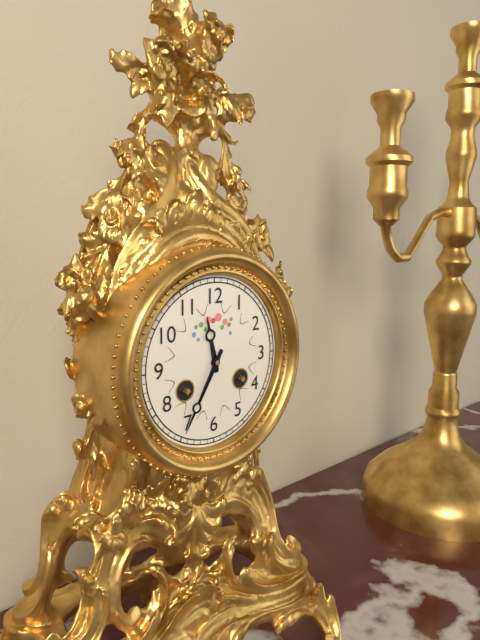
11:35
